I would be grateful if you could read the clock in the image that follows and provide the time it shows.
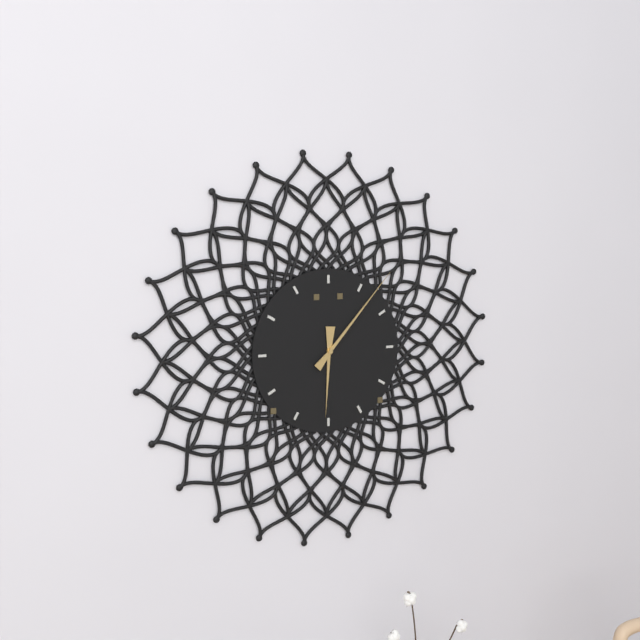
6:07
